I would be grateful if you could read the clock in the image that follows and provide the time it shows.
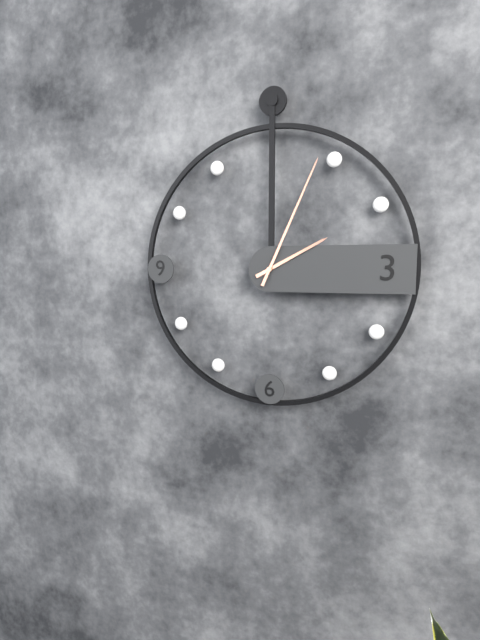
2:04
